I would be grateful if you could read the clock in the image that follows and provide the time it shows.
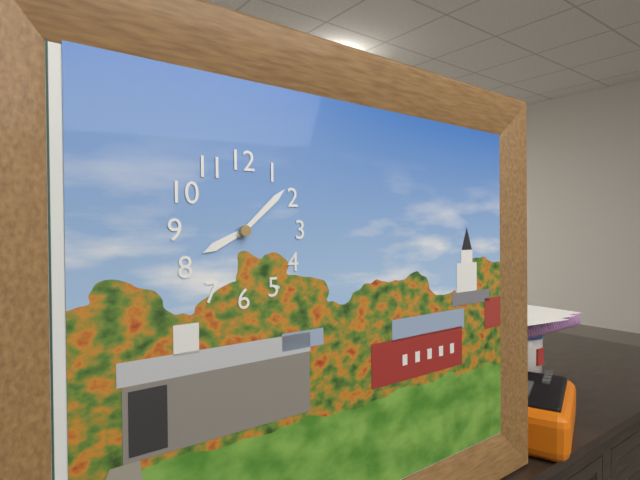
8:08
